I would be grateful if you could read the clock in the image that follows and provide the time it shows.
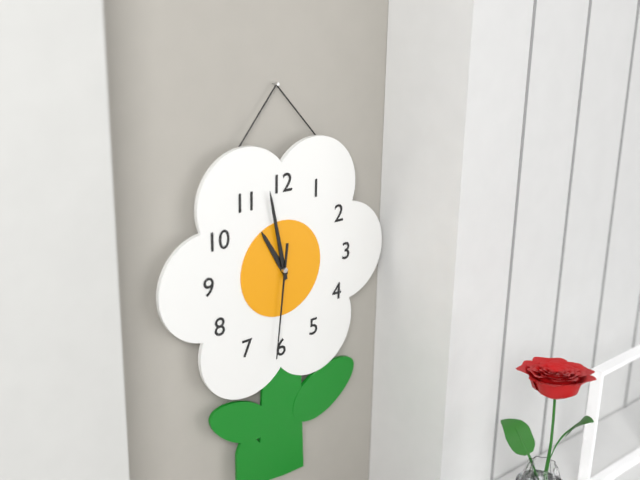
10:58:31
